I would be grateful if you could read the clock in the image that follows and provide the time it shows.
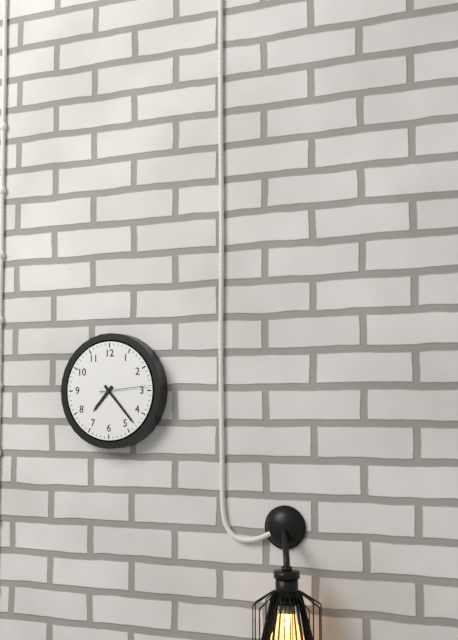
7:23
